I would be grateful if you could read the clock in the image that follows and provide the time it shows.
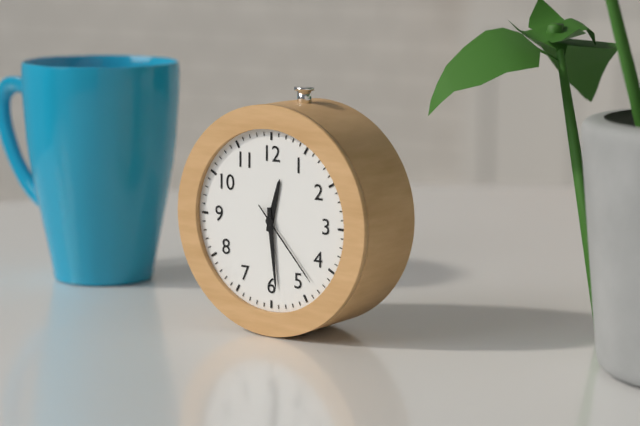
12:29:23
